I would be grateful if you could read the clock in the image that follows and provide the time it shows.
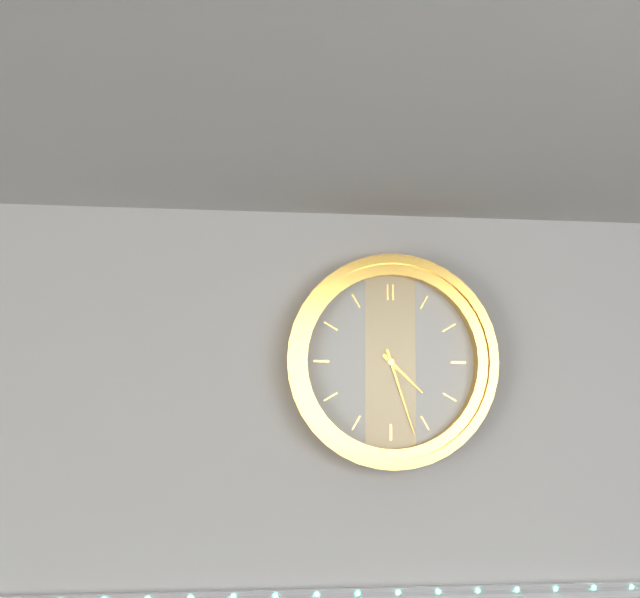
4:27
